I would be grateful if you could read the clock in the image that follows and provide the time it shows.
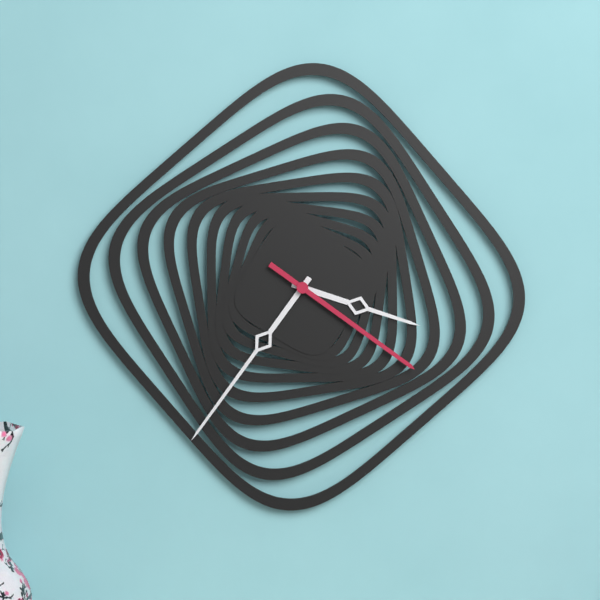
3:36:21
